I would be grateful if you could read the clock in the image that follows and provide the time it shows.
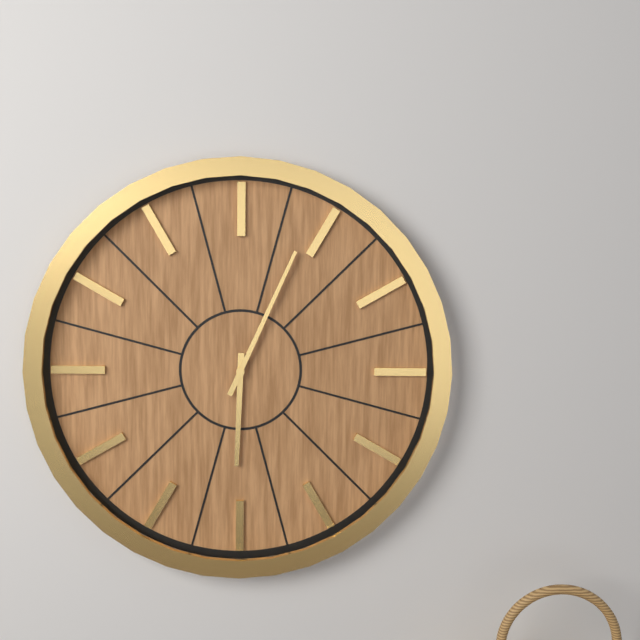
6:04
